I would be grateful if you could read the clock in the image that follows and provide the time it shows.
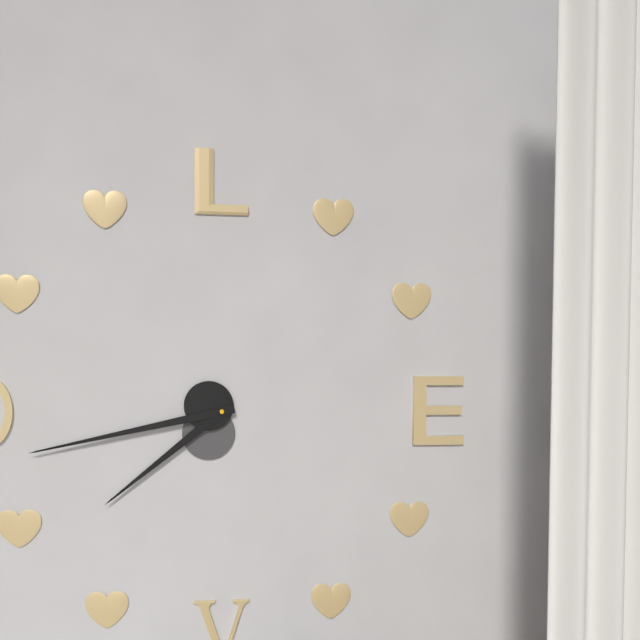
7:43
